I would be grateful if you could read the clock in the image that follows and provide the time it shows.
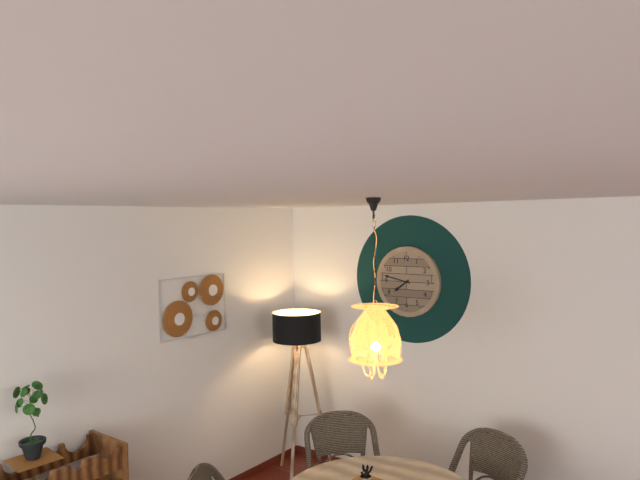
7:47
